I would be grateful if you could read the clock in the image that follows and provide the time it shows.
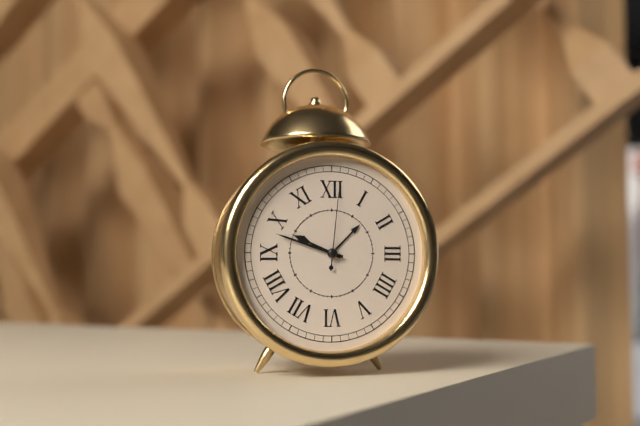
9:48:01
